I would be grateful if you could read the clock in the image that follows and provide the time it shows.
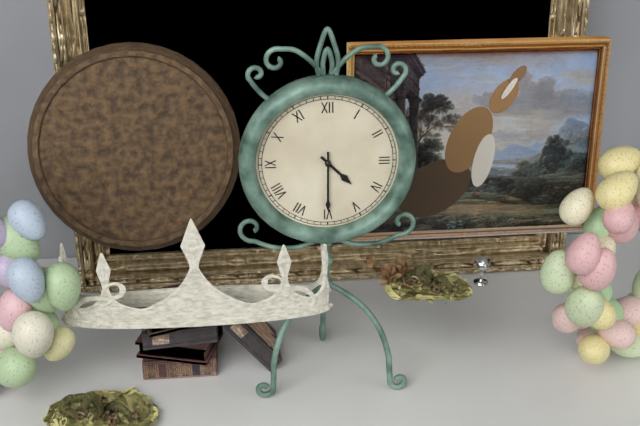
4:30
